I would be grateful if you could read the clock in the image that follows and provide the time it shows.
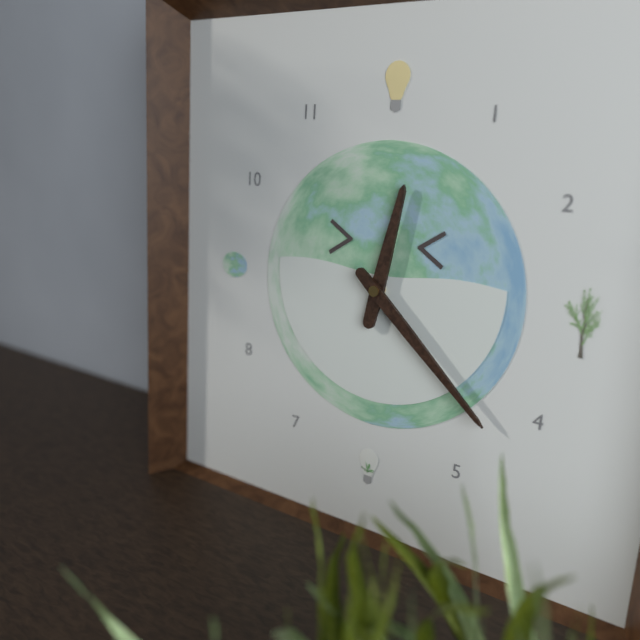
12:22
